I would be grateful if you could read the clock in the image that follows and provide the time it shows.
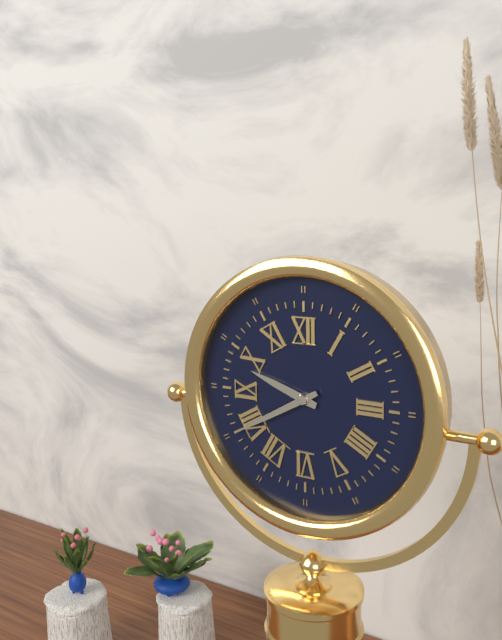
9:40
